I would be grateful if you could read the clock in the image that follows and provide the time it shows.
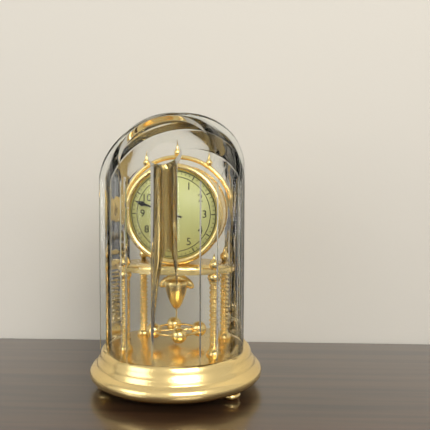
6:48
